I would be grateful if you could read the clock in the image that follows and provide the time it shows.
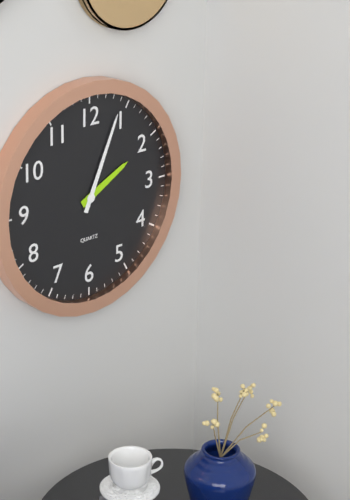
2:04
